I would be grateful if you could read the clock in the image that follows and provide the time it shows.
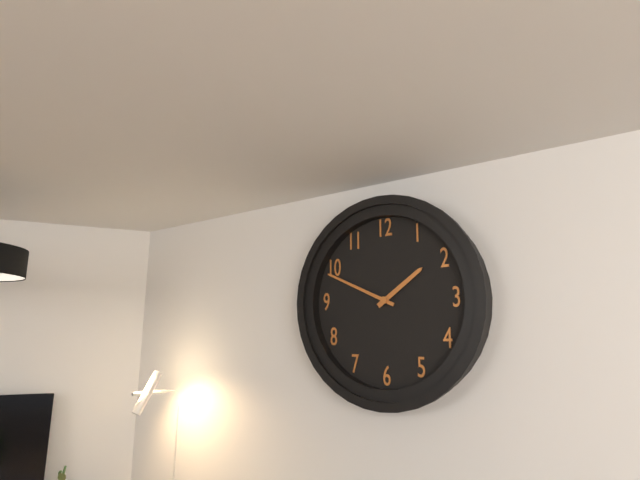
1:49
